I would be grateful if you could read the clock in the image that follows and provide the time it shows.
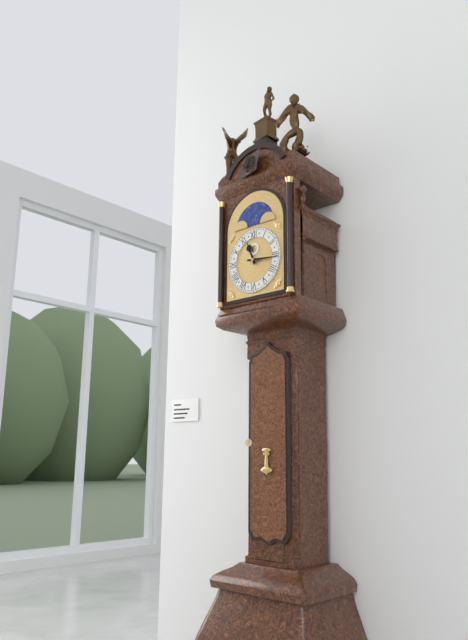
11:16
